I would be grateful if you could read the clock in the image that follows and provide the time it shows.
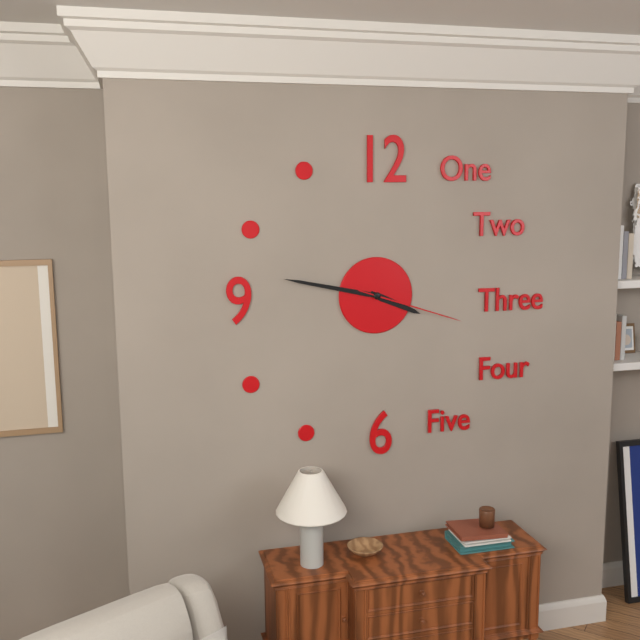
3:47:18
